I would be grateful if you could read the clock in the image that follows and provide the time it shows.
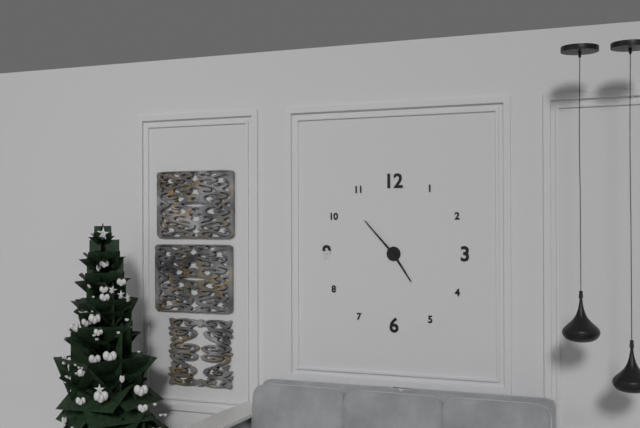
4:53
